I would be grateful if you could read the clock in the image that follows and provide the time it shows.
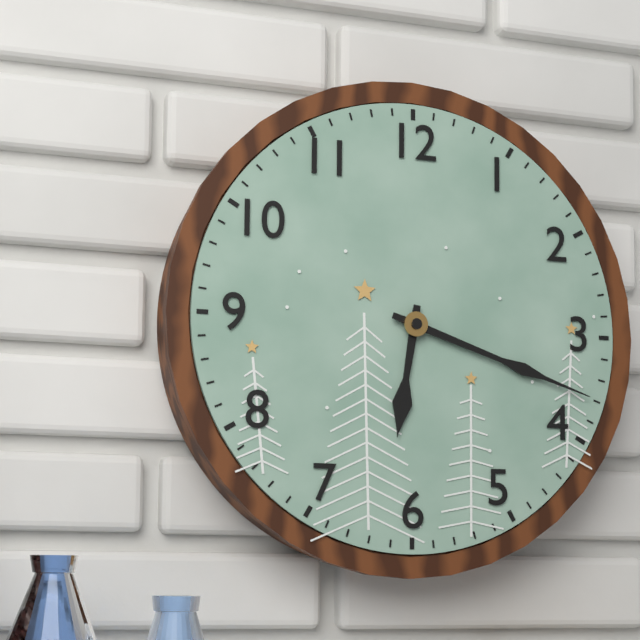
6:18
